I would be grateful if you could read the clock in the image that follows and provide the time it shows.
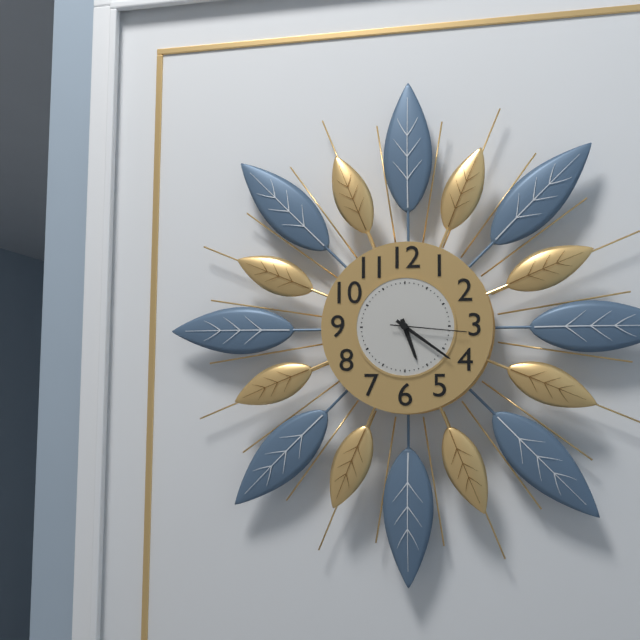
5:21:16
